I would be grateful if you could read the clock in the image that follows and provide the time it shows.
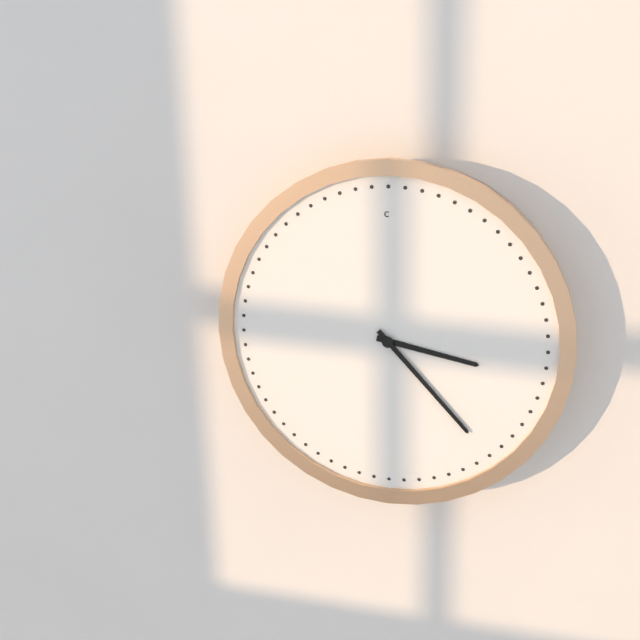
3:23
